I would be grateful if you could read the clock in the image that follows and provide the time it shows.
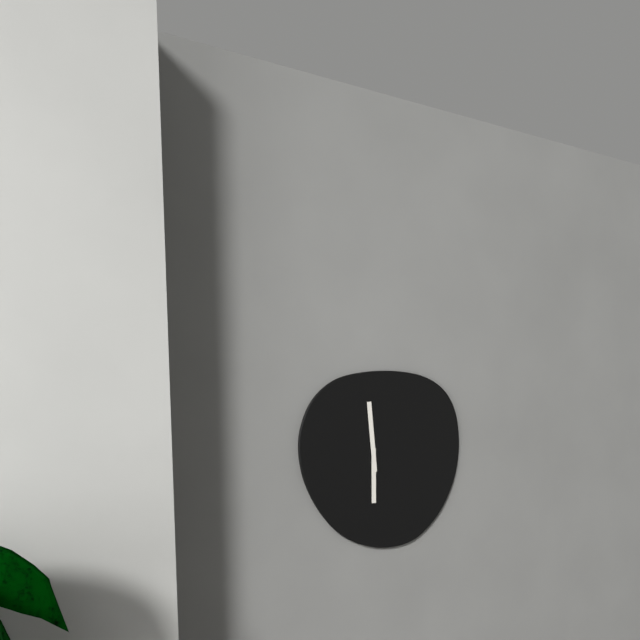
5:59
